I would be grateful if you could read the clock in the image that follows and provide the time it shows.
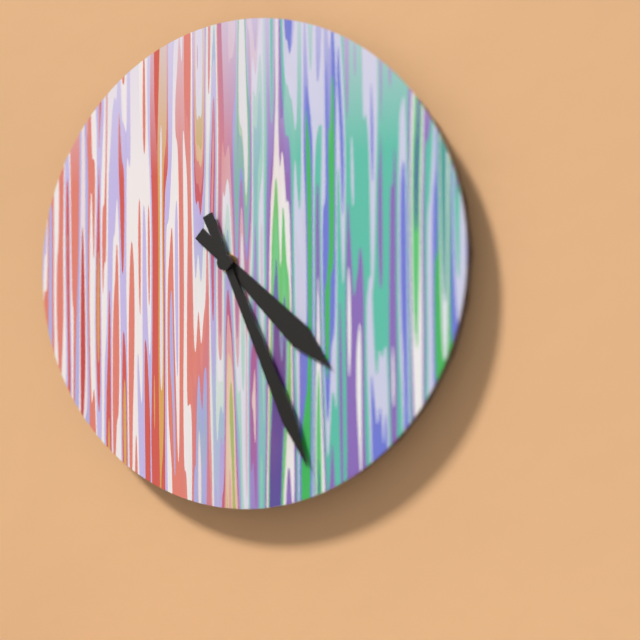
4:26
